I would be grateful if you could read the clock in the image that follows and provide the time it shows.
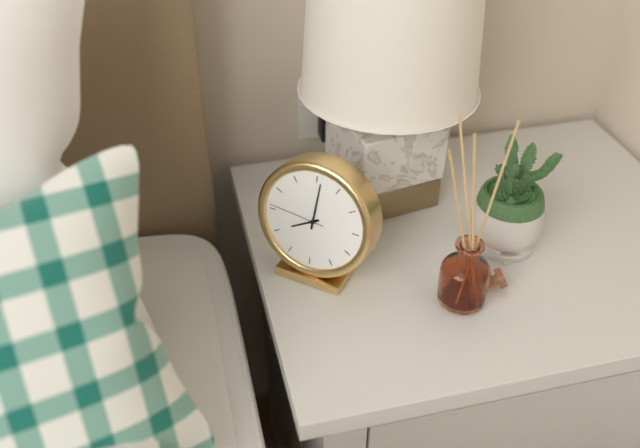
8:01:46
